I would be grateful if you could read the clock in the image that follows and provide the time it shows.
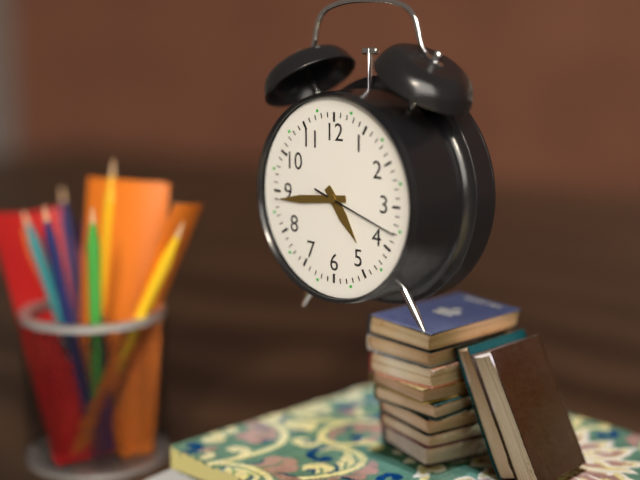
4:44:18
